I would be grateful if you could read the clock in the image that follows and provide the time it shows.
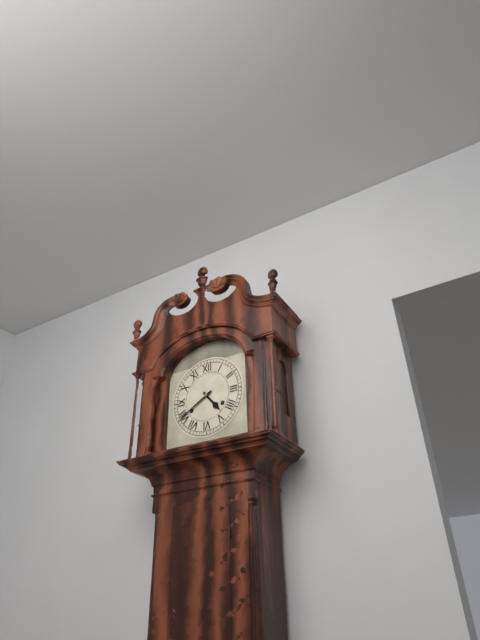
4:40
